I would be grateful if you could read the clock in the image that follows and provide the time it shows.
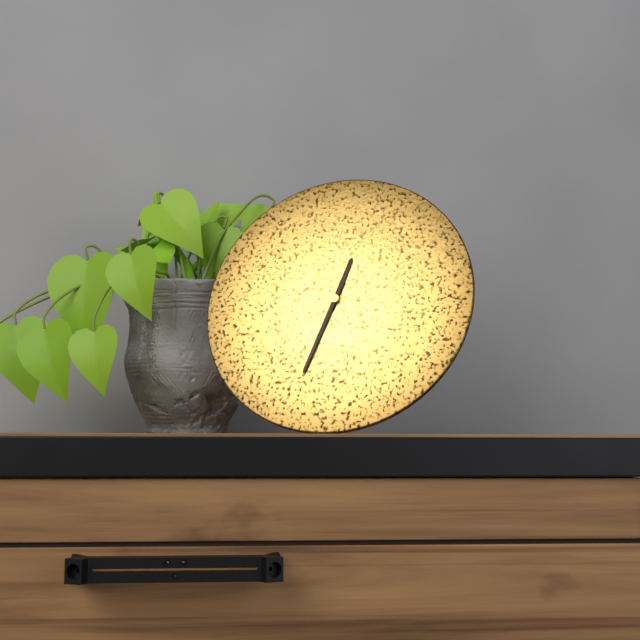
12:33
